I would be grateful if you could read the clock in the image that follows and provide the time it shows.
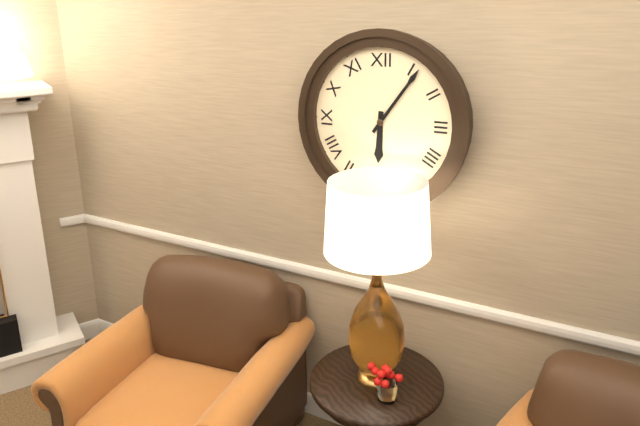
6:06
